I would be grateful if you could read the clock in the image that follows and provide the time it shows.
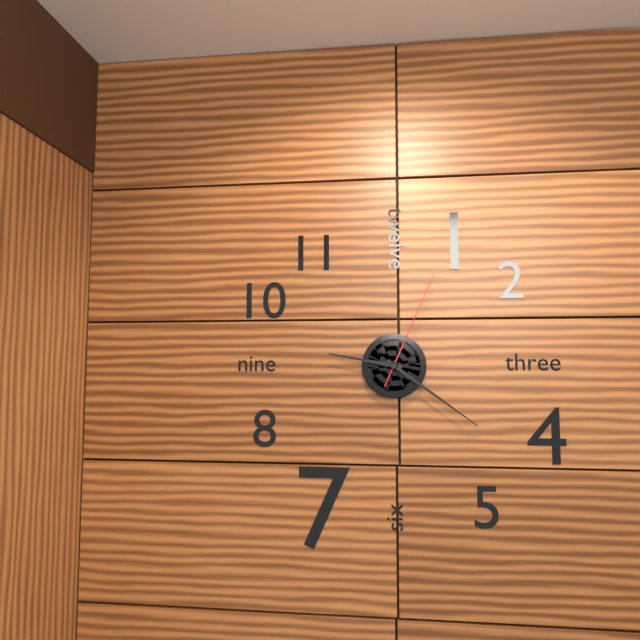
9:21:04
